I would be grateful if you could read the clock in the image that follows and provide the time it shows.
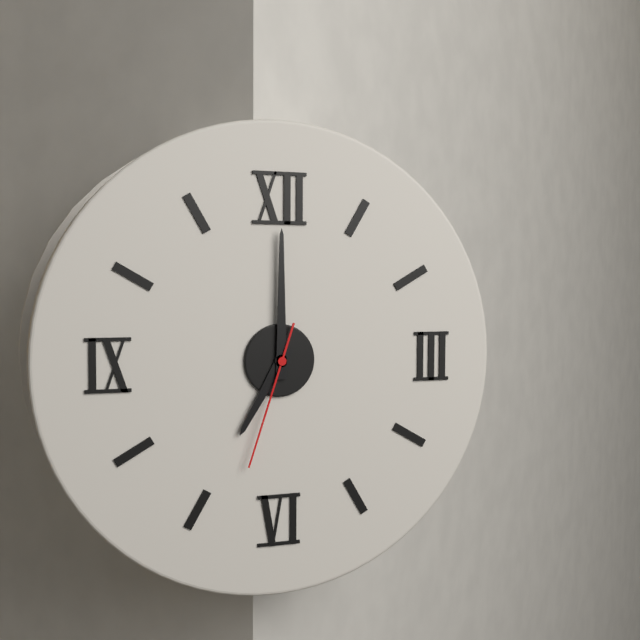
7:00:33
